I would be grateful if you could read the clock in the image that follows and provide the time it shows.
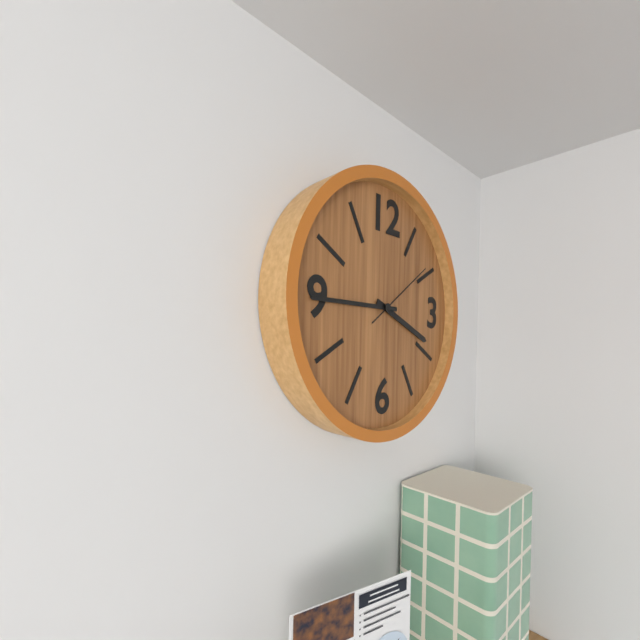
3:45:09
